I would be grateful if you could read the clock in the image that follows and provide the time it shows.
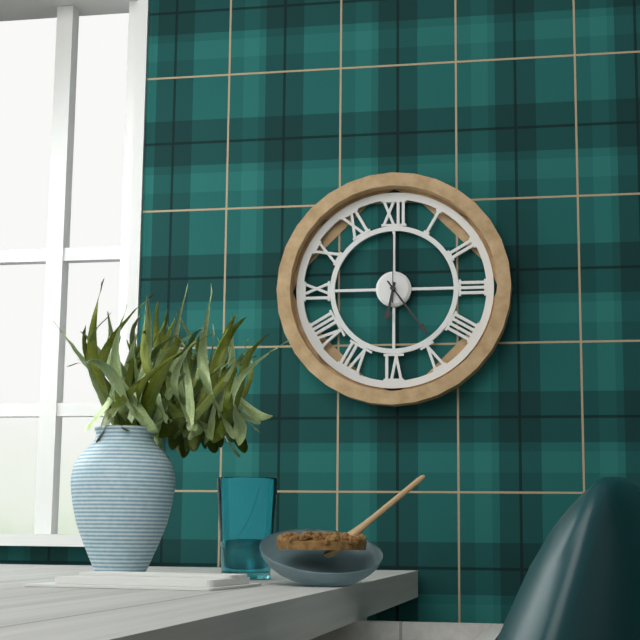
6:24:00
